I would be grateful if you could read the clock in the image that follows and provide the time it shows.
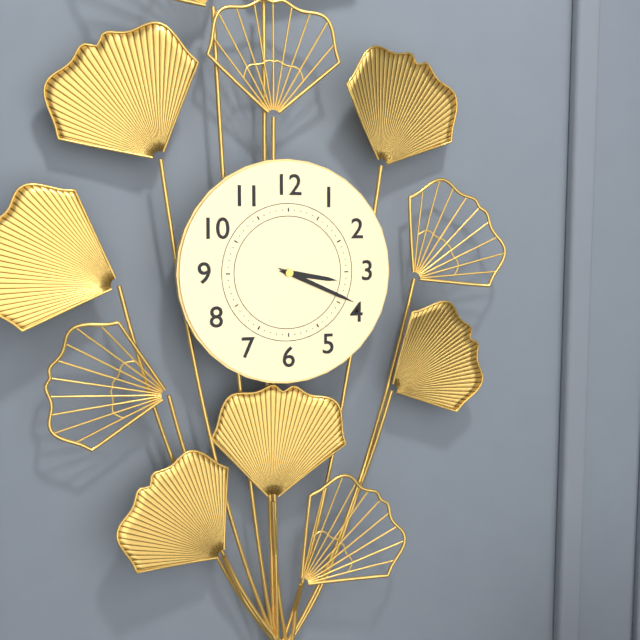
3:19
